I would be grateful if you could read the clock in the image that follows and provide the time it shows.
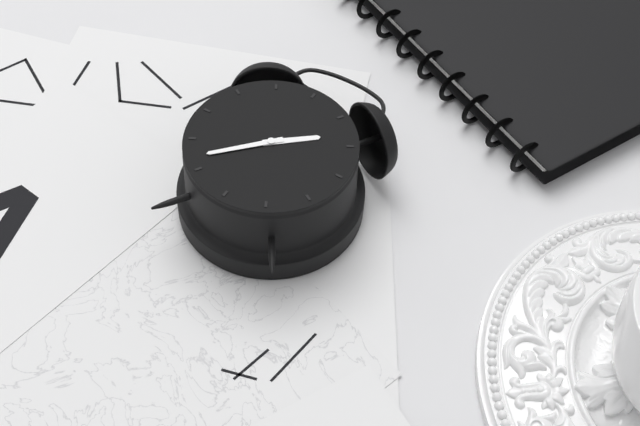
1:37
